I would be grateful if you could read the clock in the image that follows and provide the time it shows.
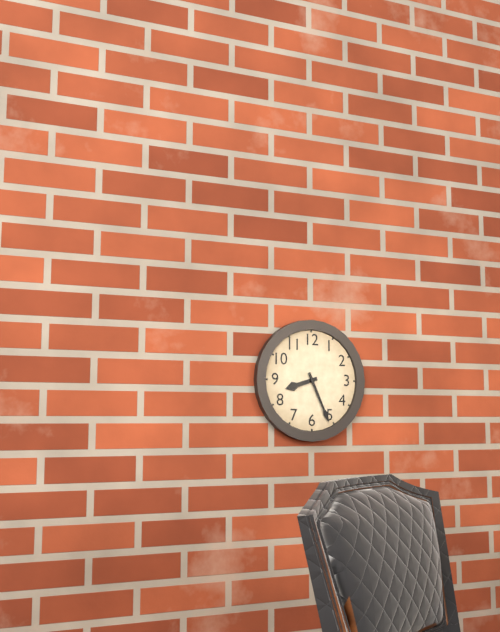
8:26
